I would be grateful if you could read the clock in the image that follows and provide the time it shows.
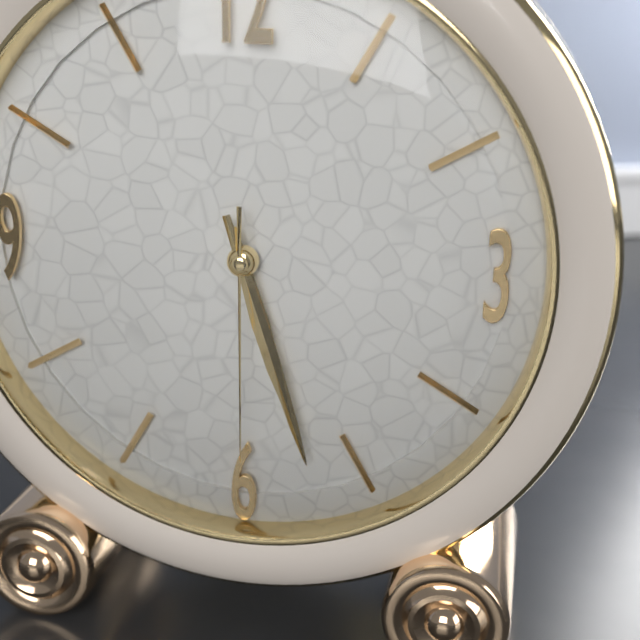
5:27:30
